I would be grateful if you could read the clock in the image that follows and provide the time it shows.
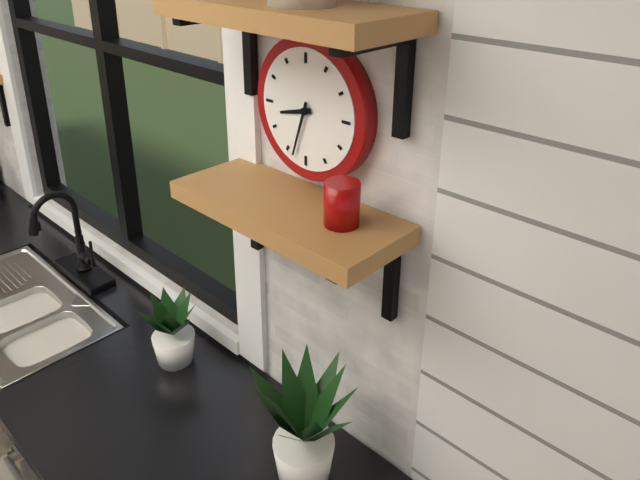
8:33
